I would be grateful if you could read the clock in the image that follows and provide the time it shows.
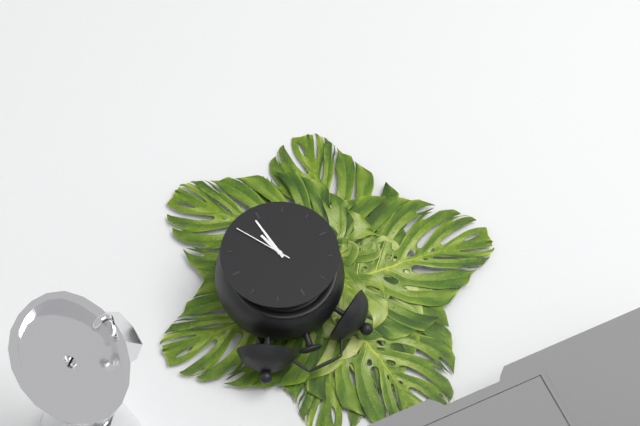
5:29:25
